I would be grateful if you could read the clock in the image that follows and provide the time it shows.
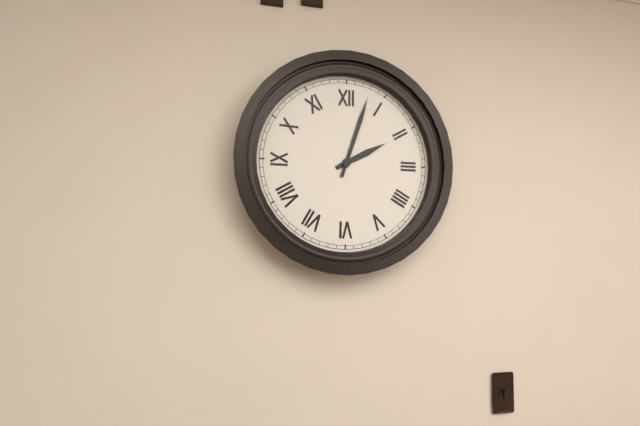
2:03
